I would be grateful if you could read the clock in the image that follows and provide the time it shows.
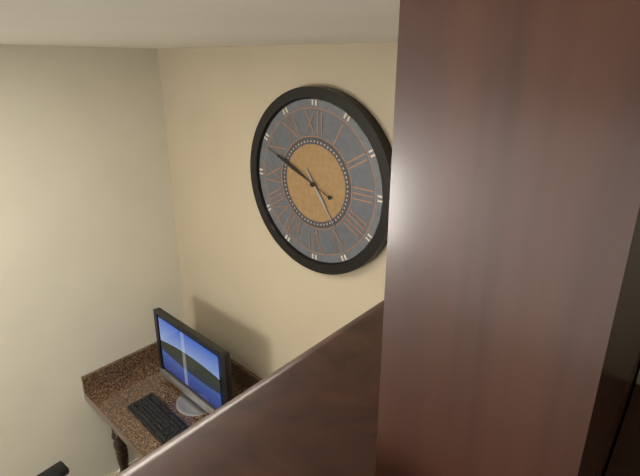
4:49
